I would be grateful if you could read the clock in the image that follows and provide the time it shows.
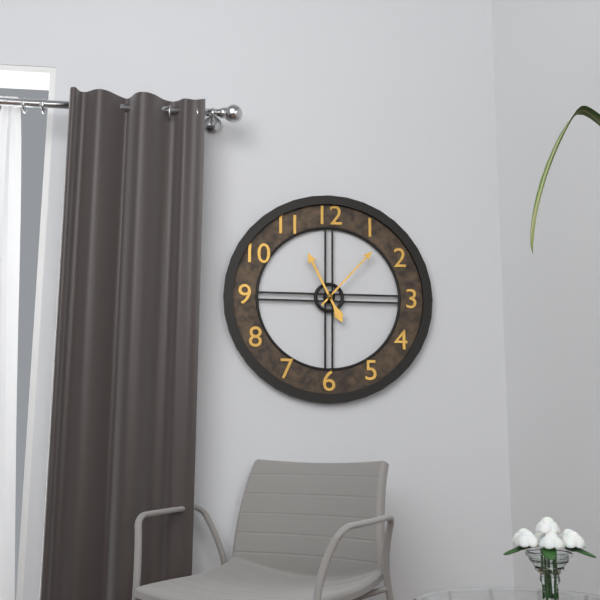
11:07
